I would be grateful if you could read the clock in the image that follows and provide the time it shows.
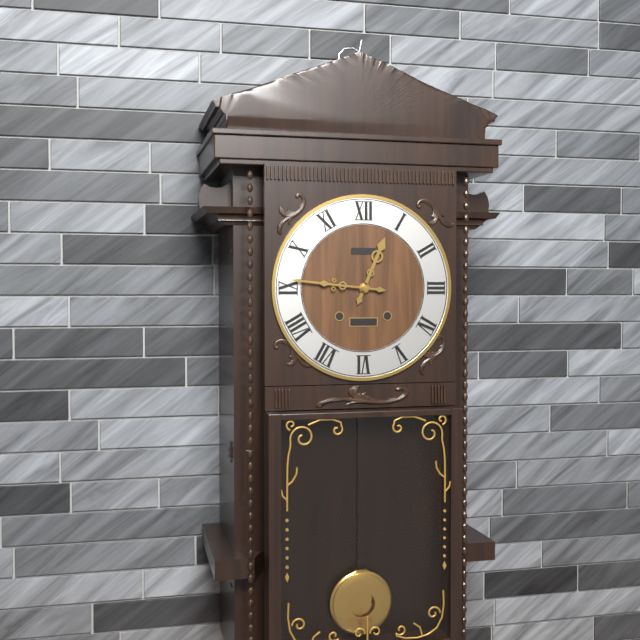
12:46
